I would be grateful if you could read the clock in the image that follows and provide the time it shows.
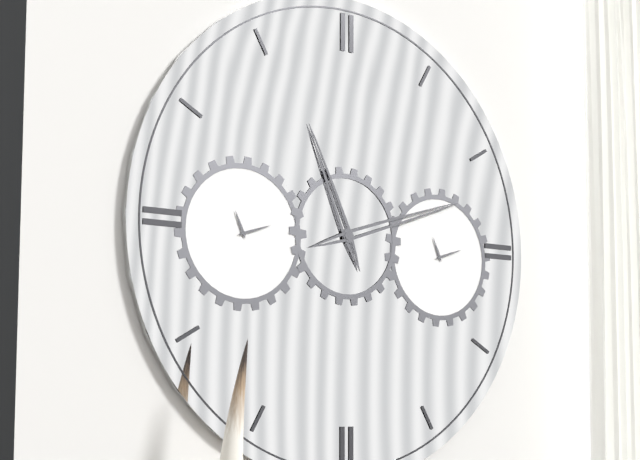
11:12
